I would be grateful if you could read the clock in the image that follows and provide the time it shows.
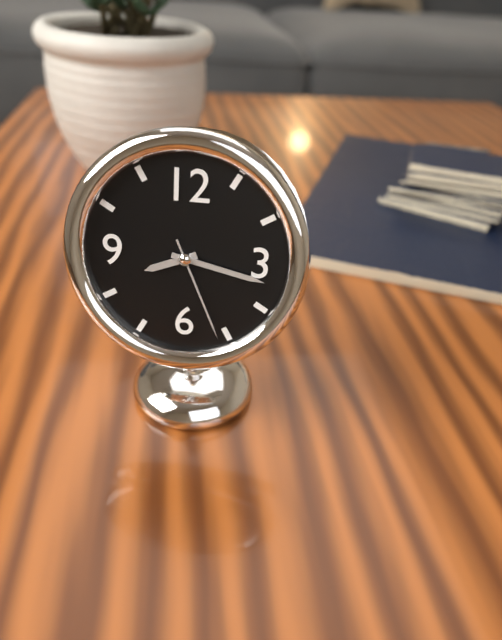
8:17:26
